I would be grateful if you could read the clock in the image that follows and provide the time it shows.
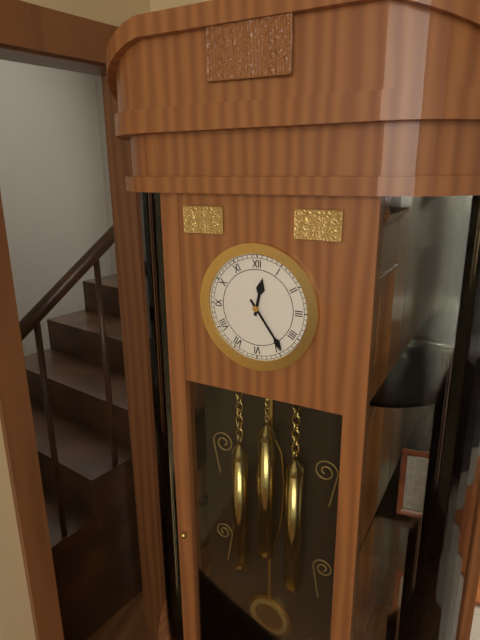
12:24
